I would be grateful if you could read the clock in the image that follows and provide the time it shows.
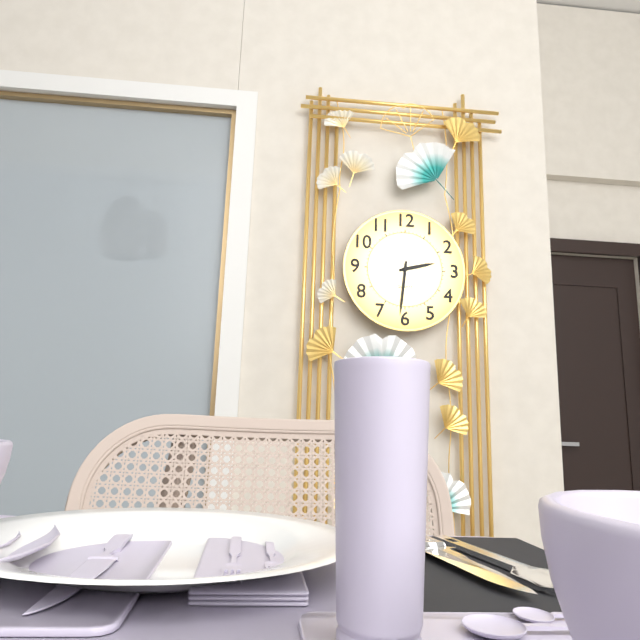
2:31
